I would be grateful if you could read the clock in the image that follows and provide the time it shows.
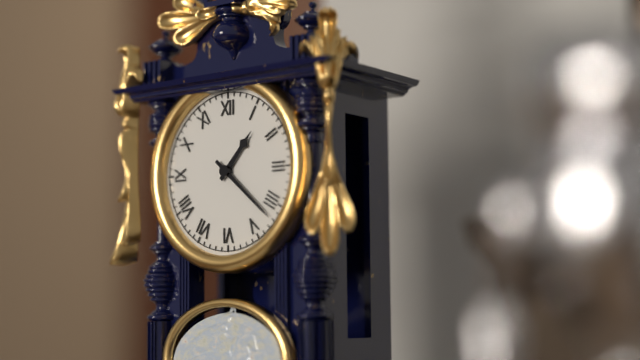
1:22
